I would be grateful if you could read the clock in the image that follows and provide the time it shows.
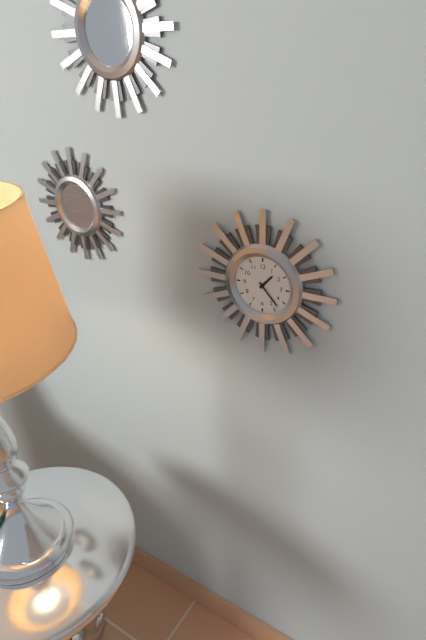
1:23
